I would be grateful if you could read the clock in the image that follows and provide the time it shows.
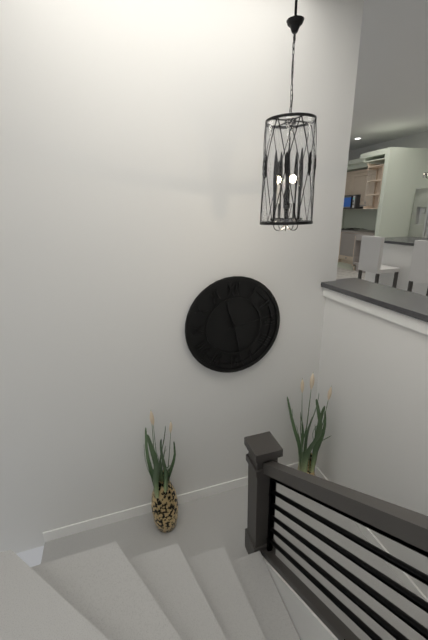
11:28:13
